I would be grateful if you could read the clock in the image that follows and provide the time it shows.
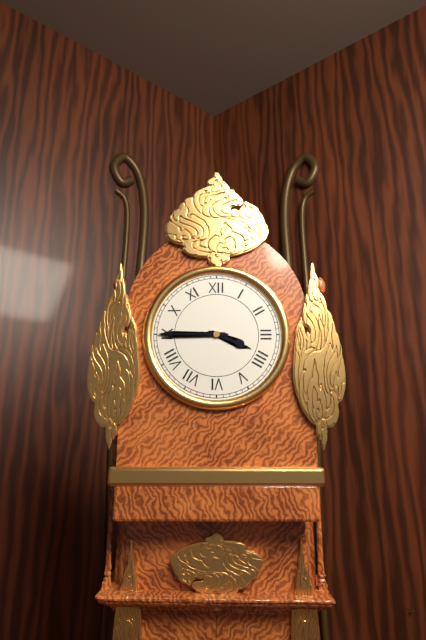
3:45
